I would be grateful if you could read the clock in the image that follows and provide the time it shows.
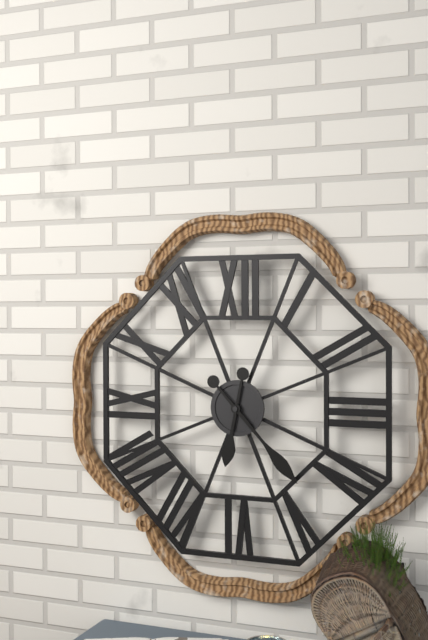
6:23
